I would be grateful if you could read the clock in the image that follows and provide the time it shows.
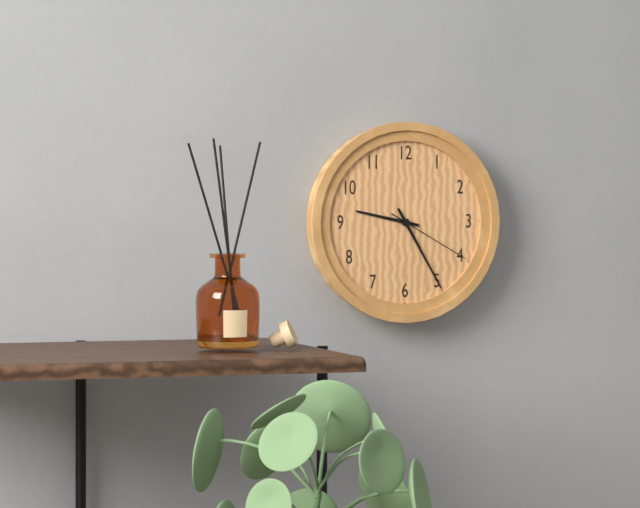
9:25:20
